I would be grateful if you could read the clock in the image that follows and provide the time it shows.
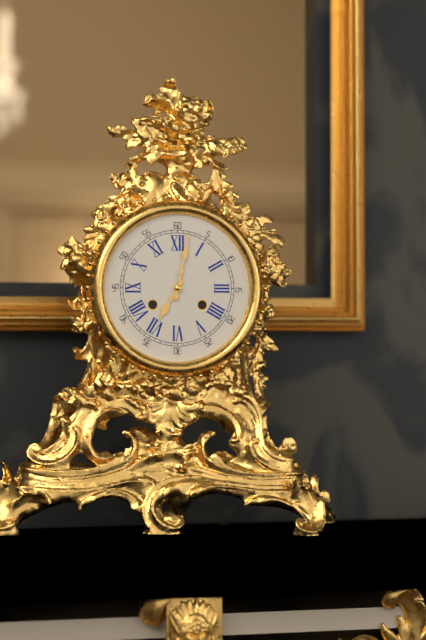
7:02
